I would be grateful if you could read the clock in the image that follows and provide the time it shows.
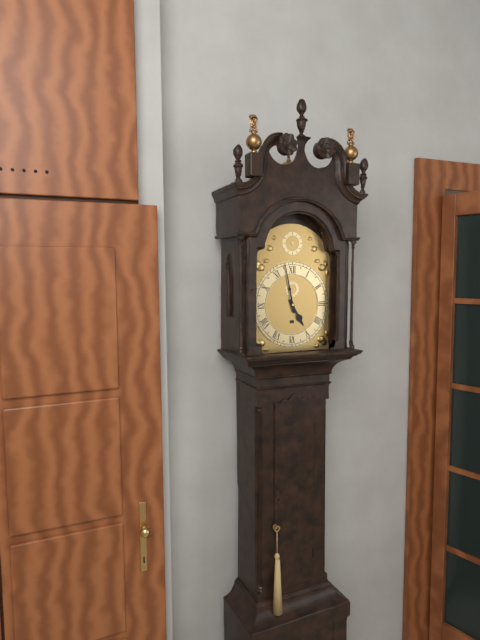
4:58
